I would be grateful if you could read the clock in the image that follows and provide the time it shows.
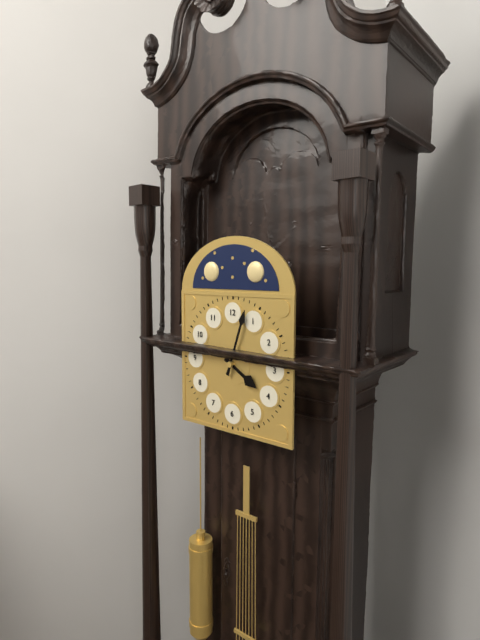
4:03
